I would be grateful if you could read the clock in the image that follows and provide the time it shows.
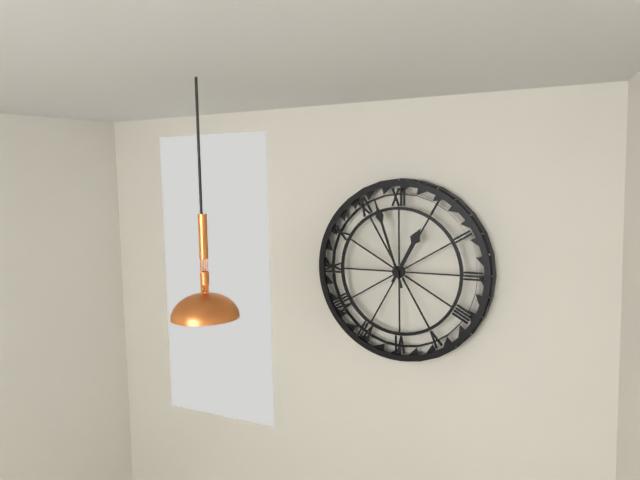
12:57
